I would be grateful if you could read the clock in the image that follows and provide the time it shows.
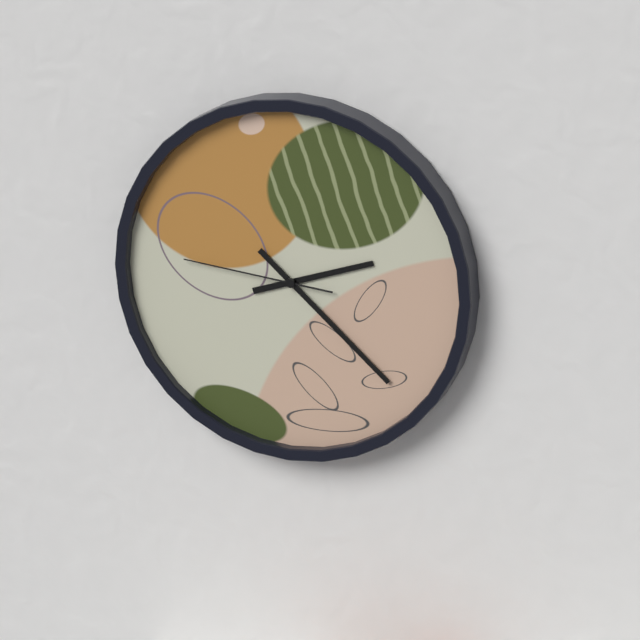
2:22:46
